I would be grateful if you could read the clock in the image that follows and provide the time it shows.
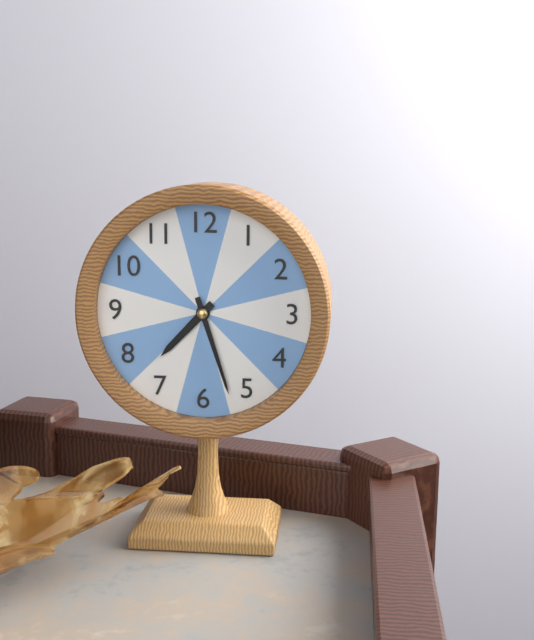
7:27
